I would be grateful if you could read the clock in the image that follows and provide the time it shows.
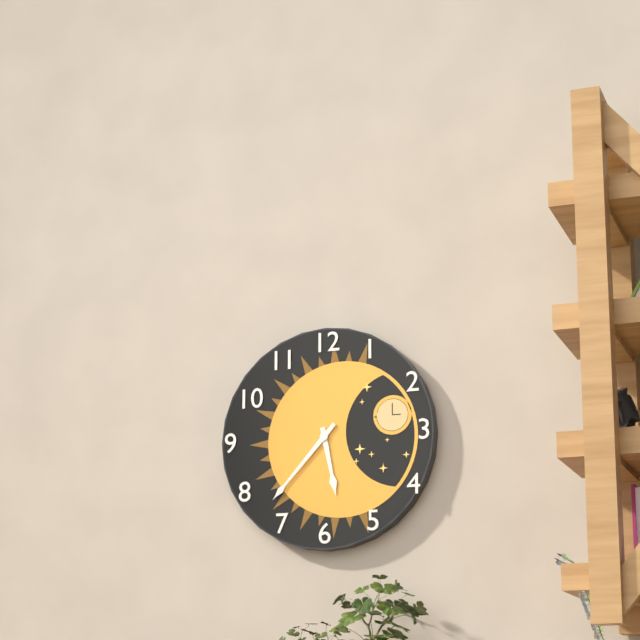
5:37
